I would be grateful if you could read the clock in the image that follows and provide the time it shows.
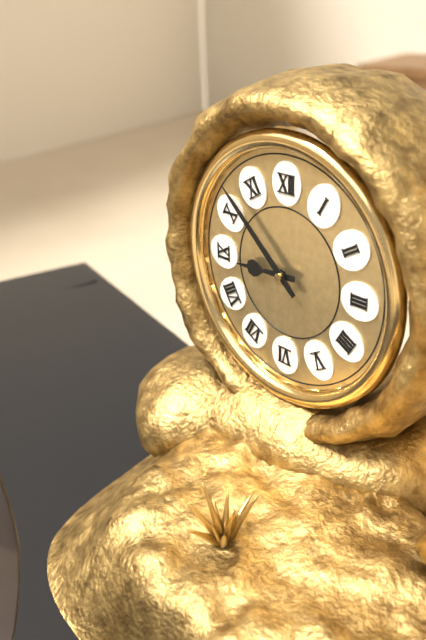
8:52
